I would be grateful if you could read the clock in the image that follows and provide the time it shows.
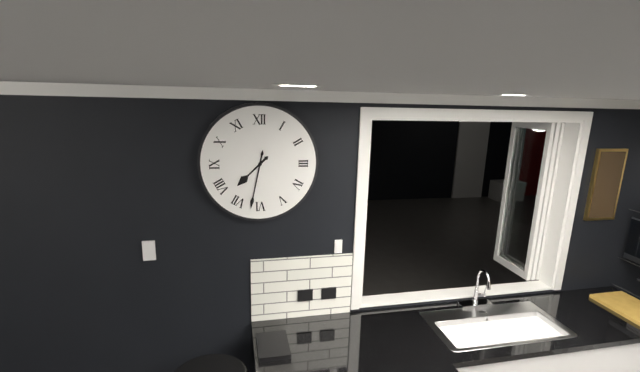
7:32
